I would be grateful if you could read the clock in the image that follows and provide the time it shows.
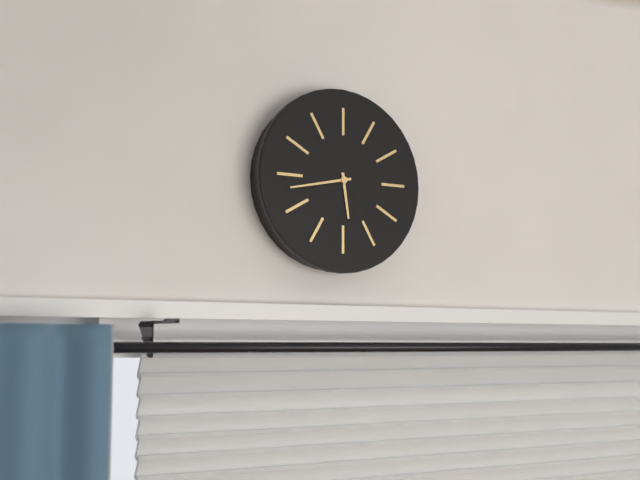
5:43
